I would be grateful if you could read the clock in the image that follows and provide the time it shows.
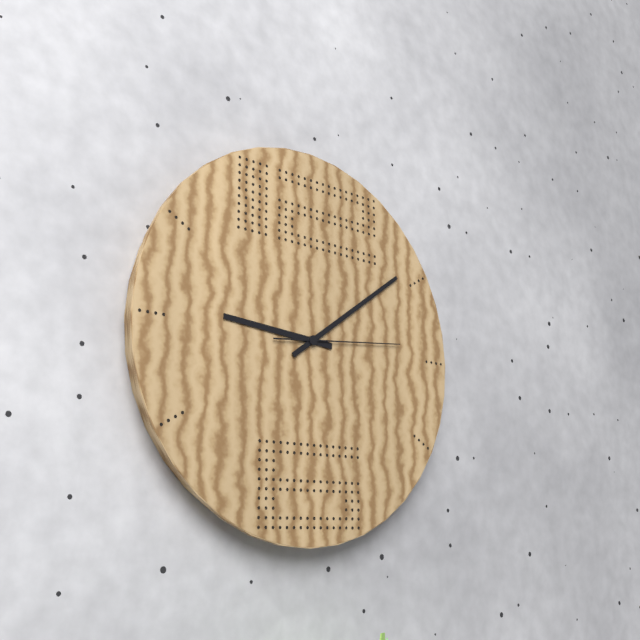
9:09:14
